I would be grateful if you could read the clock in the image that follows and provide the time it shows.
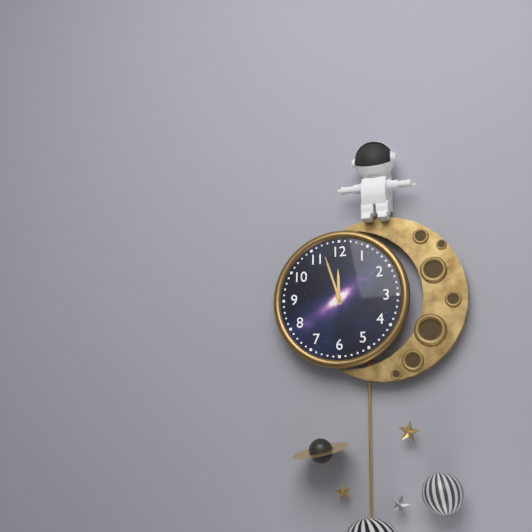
11:57
